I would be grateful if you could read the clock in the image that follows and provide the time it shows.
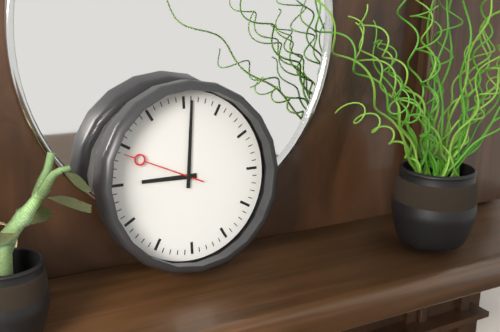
9:01:49
